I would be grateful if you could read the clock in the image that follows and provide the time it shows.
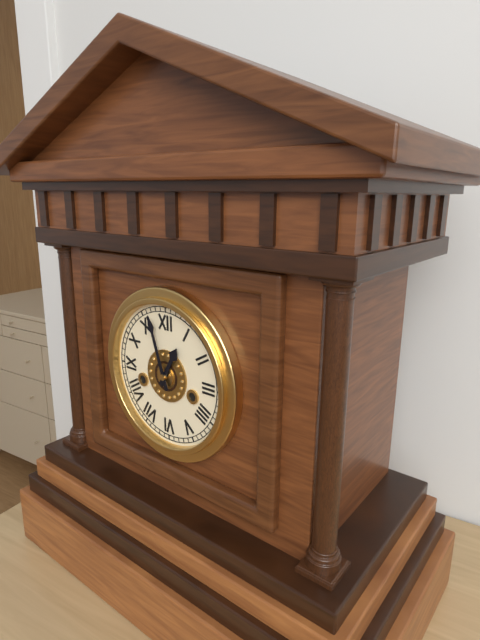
12:57
